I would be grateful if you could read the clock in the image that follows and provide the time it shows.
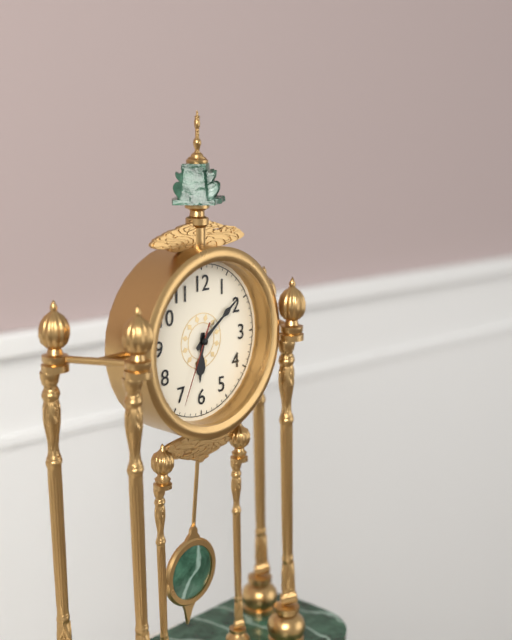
6:09:34
